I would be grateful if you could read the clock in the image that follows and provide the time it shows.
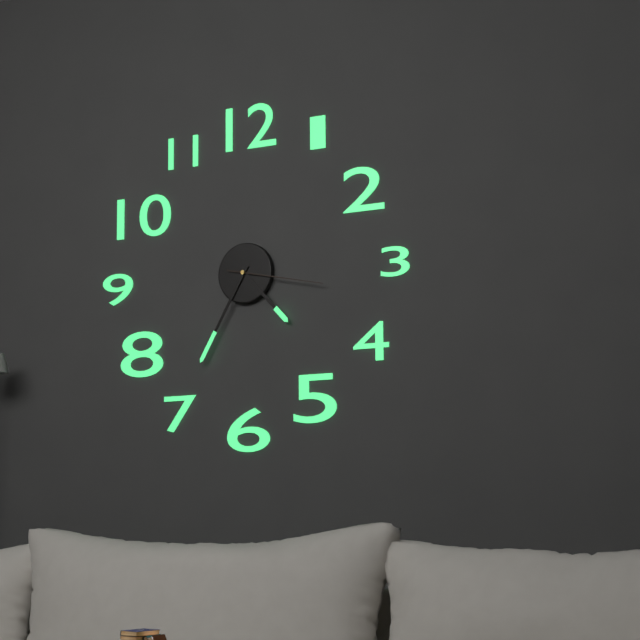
4:35:17
